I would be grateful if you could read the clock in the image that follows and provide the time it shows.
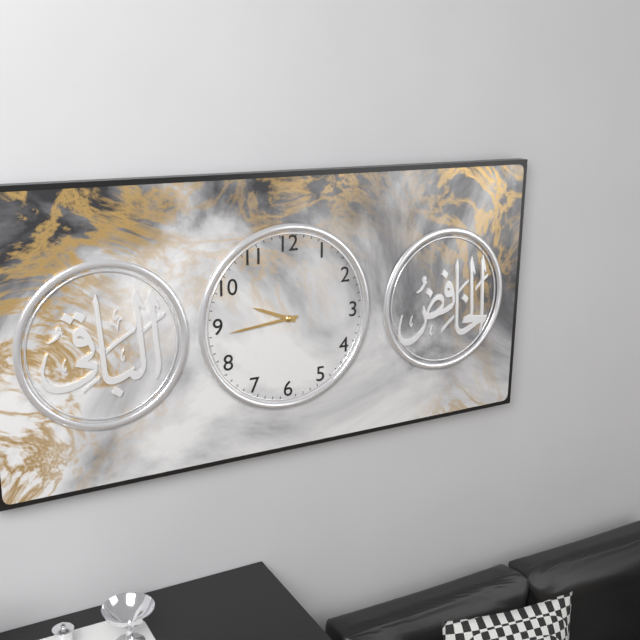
9:44
